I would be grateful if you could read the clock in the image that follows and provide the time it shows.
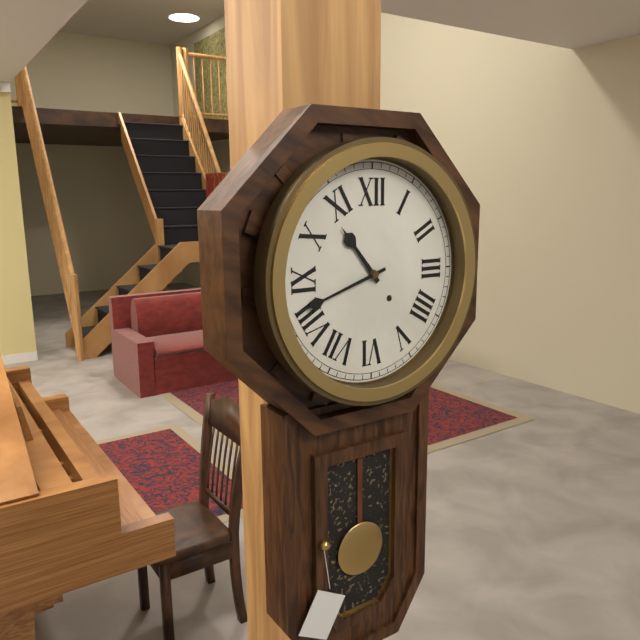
10:42
